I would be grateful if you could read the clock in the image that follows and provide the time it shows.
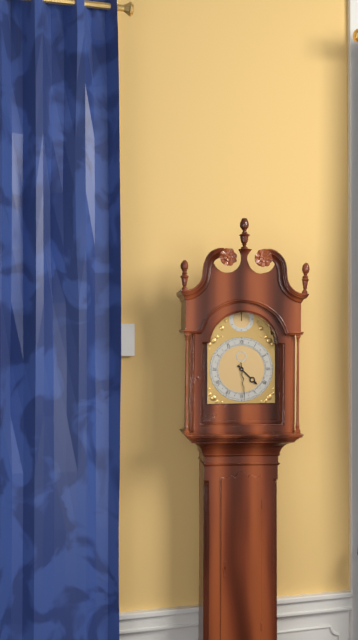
4:29
